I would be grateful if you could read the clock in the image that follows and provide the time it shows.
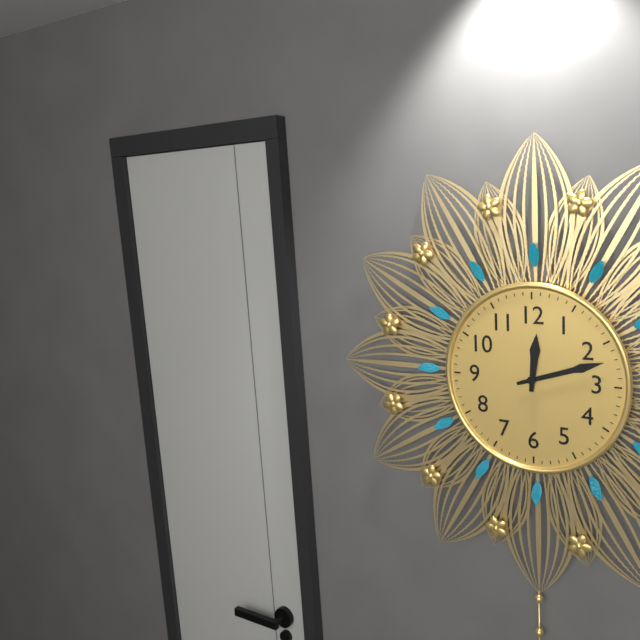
12:12
